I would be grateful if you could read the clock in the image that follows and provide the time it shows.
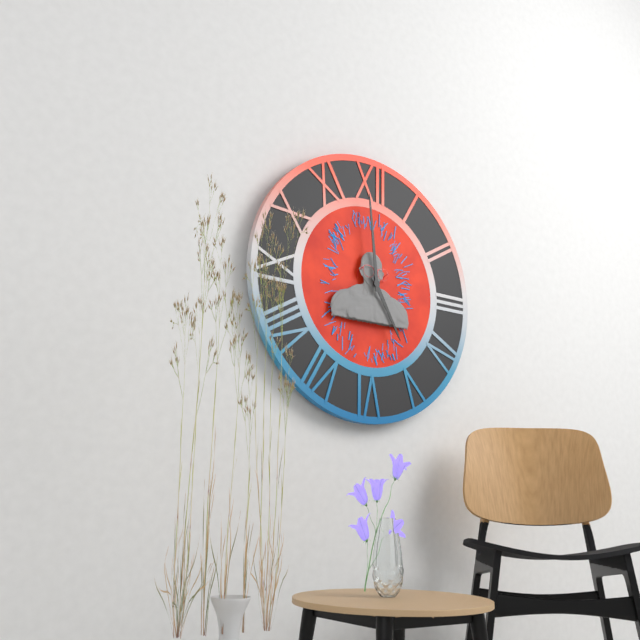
4:59
